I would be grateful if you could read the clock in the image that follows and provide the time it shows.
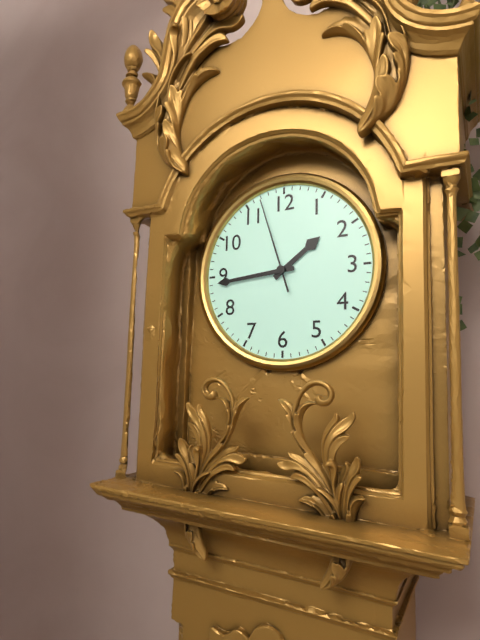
1:44:57
